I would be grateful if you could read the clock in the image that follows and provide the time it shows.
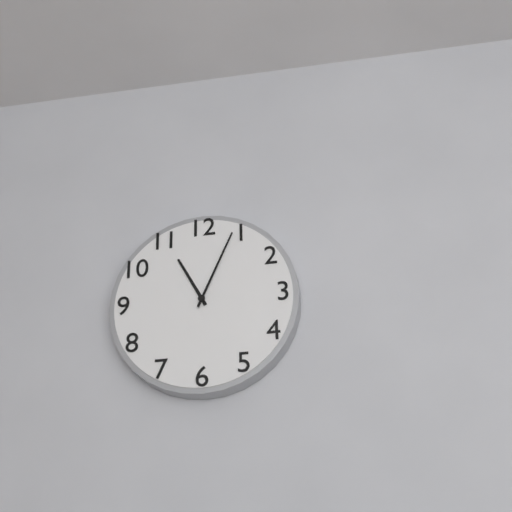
11:04
